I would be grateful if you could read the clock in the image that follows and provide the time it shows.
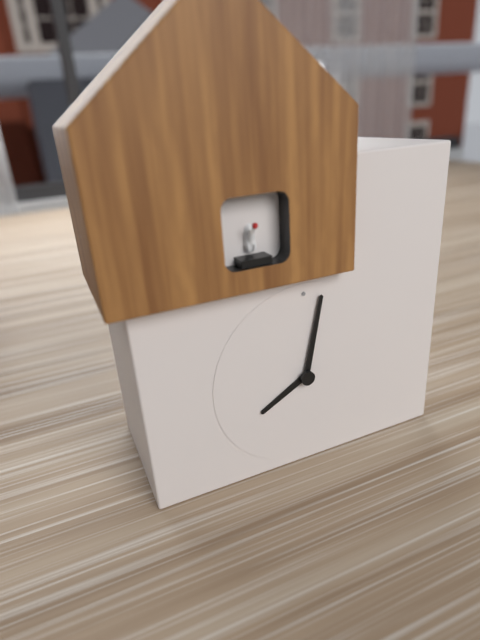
8:02
